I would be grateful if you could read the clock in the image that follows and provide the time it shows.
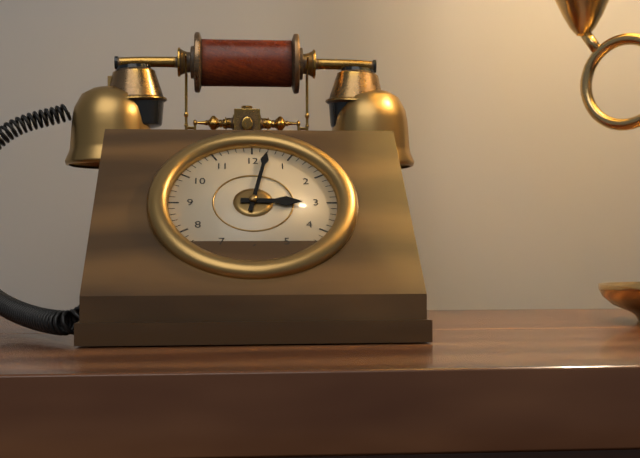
3:02
